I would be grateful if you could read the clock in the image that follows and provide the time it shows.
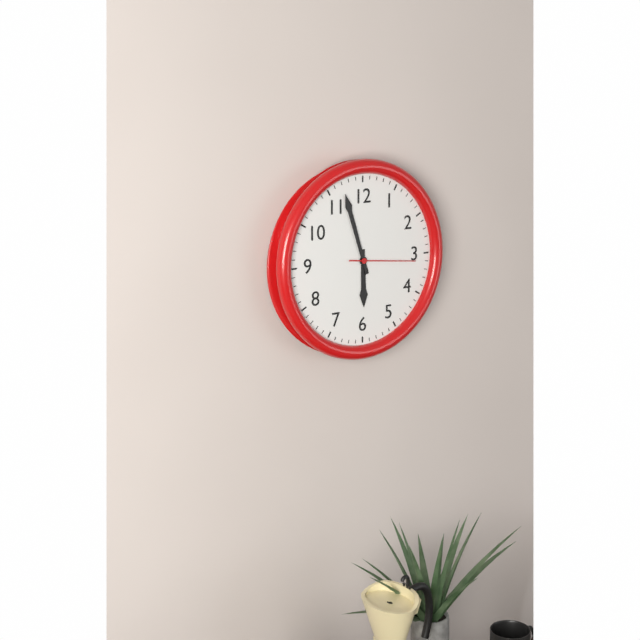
5:57:16
